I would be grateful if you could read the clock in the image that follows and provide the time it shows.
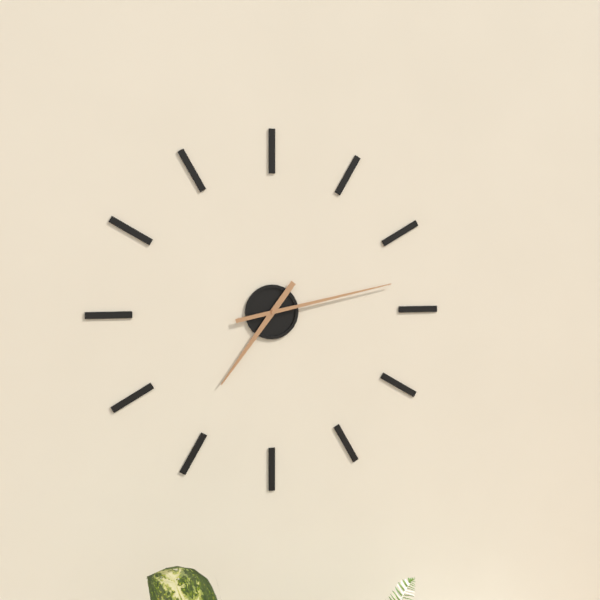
7:13
